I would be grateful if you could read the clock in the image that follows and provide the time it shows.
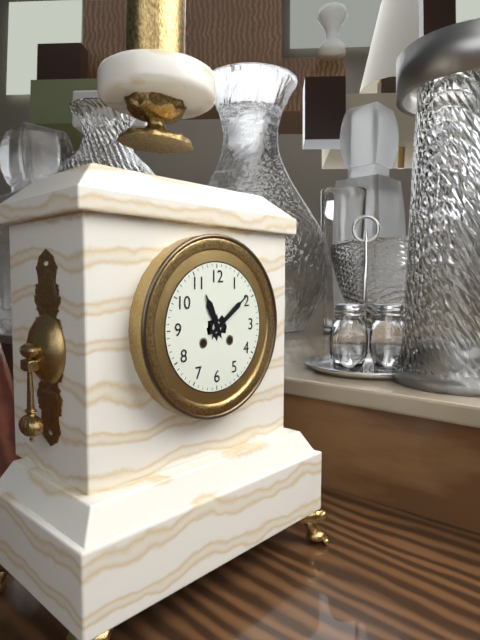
11:09
